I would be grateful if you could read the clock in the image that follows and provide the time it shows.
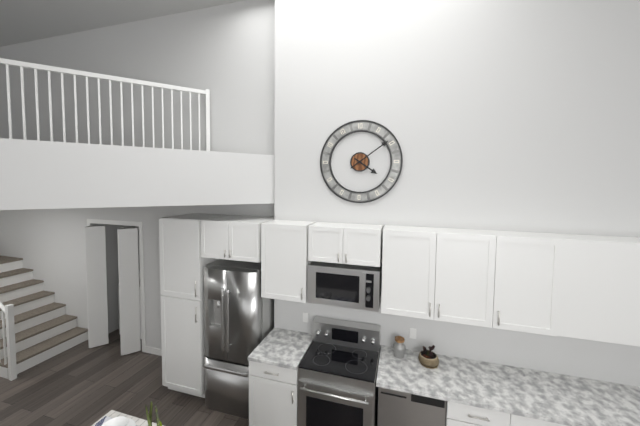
4:09
